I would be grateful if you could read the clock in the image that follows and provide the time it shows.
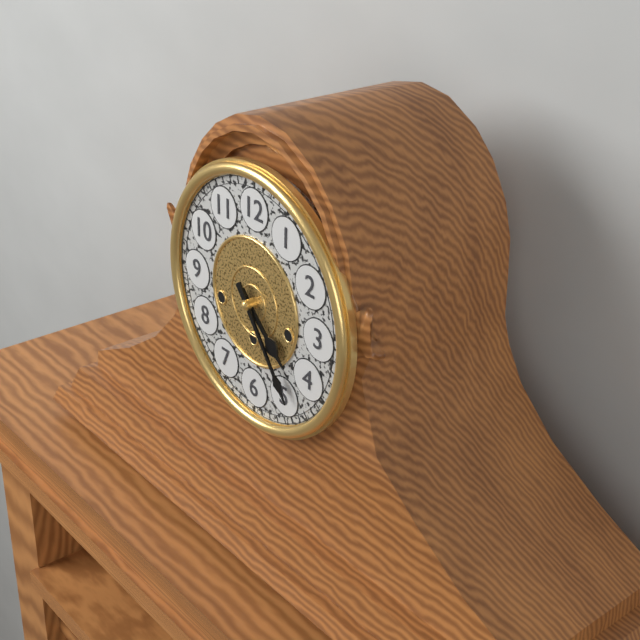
4:24
